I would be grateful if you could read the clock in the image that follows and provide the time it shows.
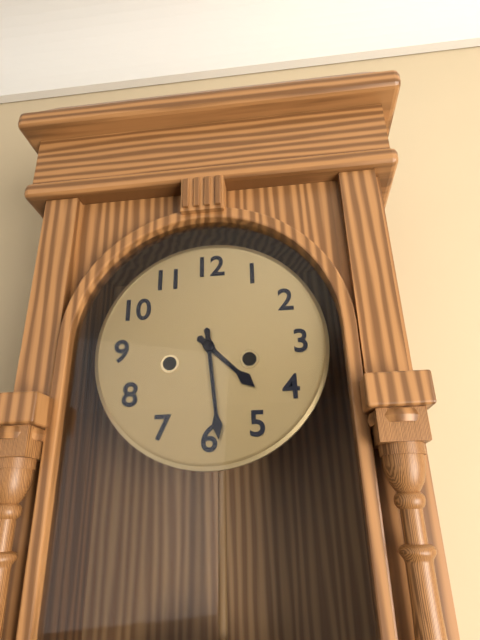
4:29
